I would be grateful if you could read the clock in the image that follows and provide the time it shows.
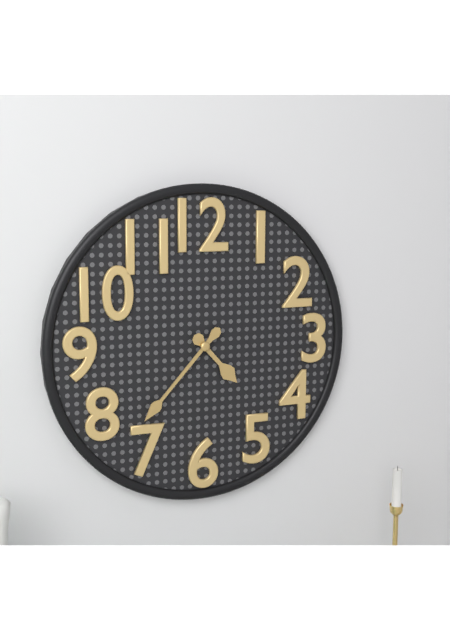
4:37
